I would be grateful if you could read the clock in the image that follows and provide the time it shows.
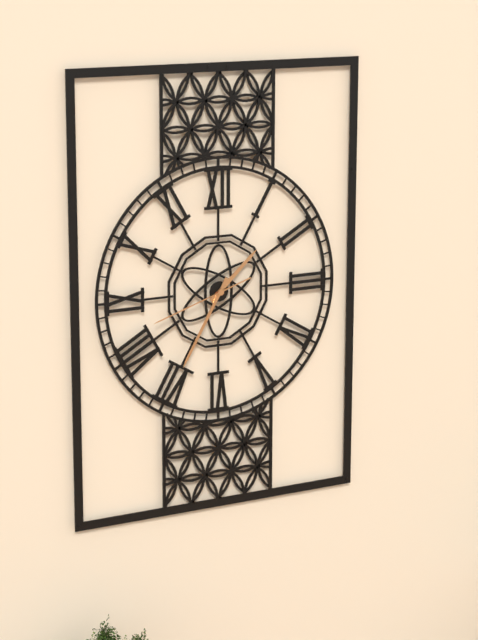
1:35:42
